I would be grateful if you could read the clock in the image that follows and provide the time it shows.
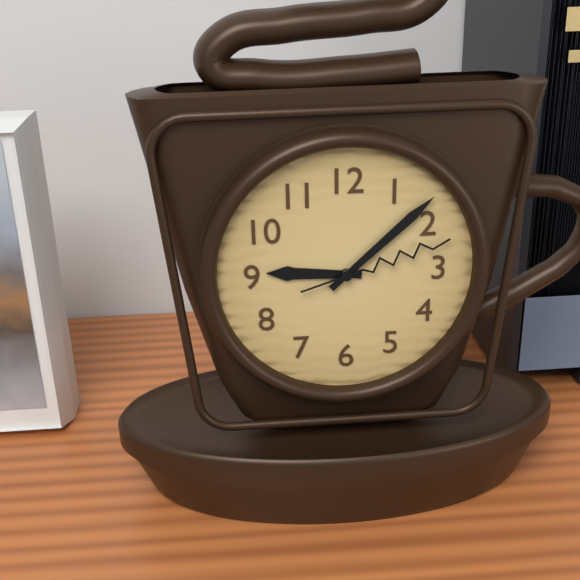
9:08:12
